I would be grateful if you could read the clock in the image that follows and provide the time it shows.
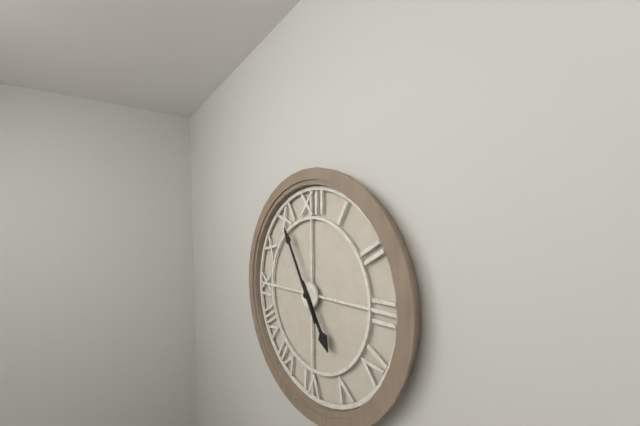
4:55
